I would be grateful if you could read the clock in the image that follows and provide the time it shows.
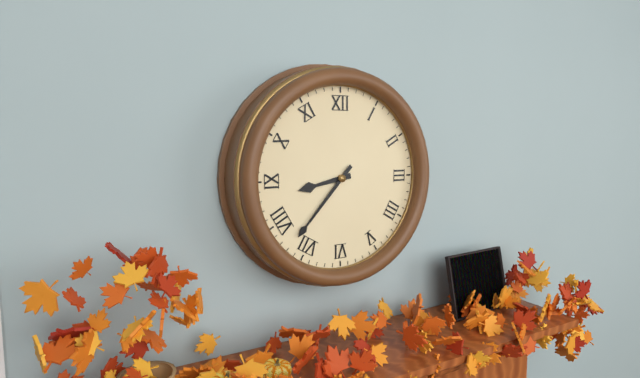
8:37
